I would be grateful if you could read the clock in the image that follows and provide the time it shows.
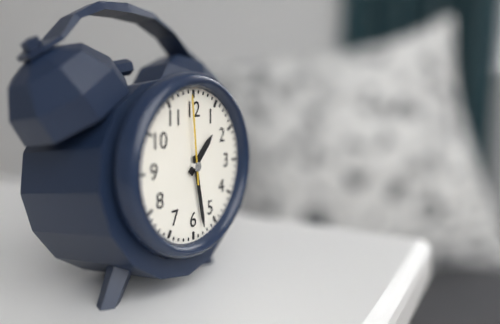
1:28:59
